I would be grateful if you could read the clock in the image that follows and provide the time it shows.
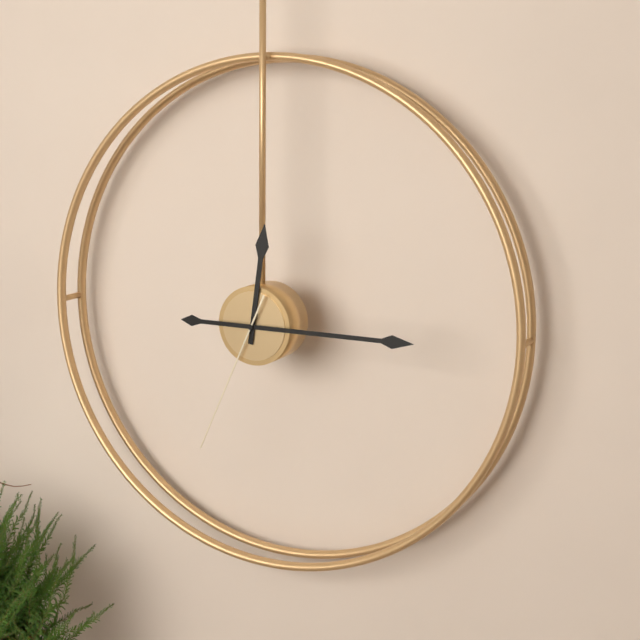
12:15:34
